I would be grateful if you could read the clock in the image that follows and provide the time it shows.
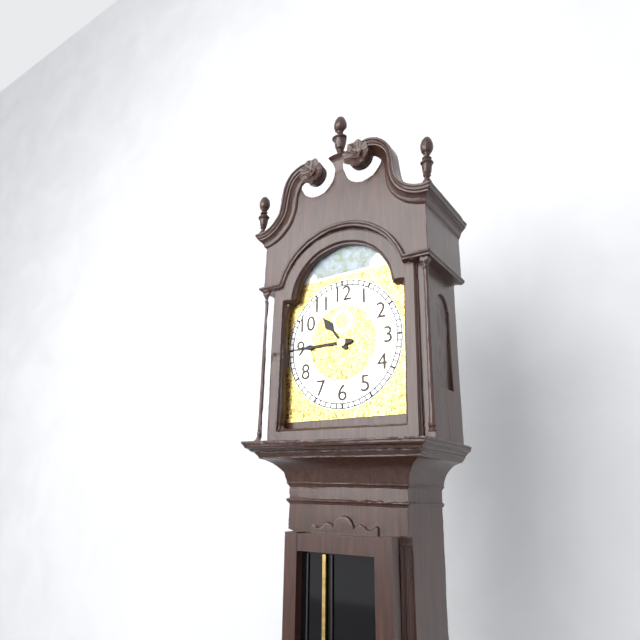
10:45
